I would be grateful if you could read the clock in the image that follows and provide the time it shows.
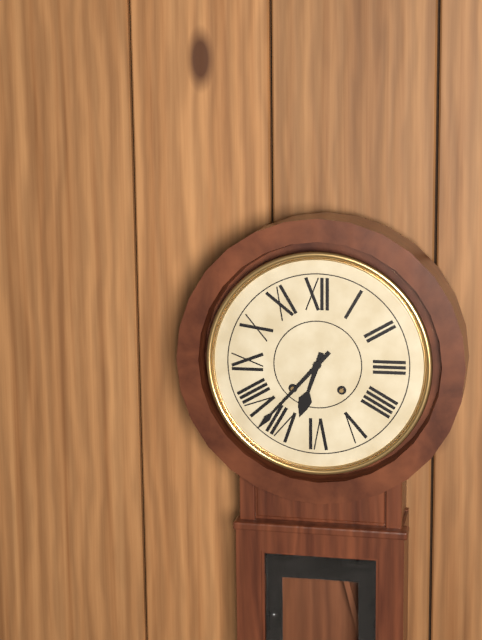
6:37
